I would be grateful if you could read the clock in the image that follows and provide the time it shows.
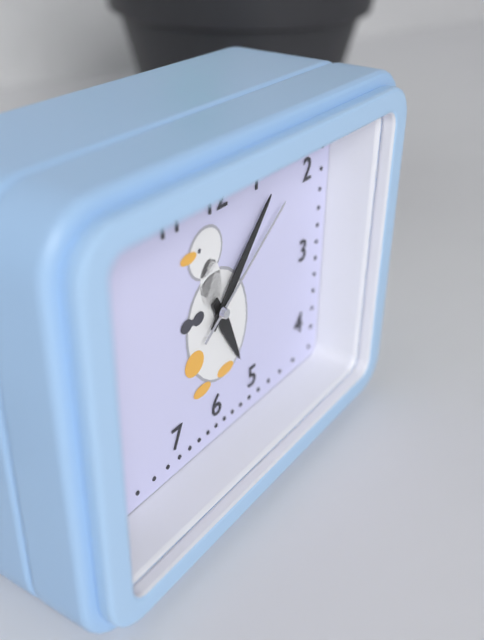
5:07:09
